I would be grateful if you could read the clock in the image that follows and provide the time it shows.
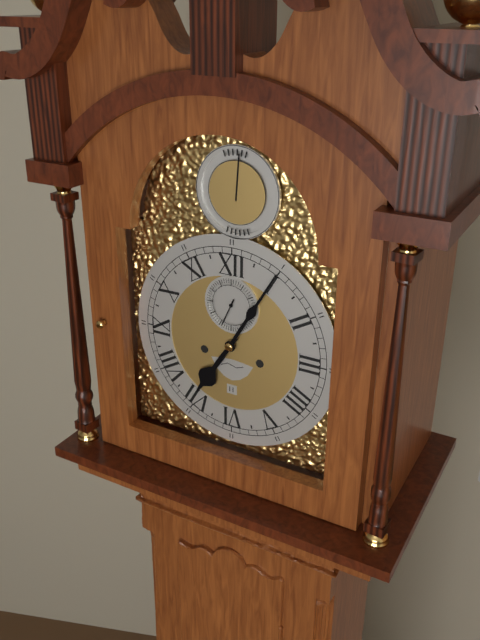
7:05
